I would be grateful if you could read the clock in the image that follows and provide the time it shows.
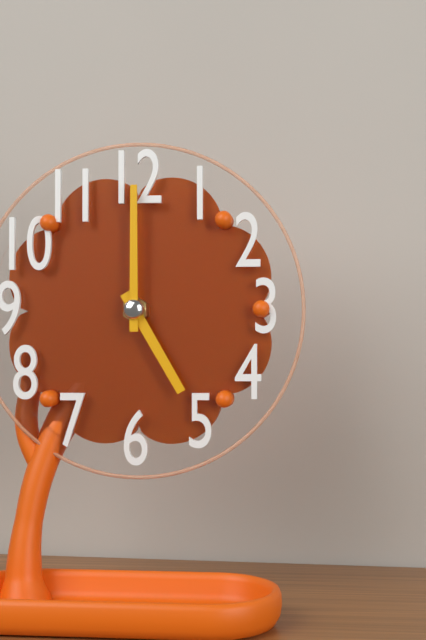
5:00
